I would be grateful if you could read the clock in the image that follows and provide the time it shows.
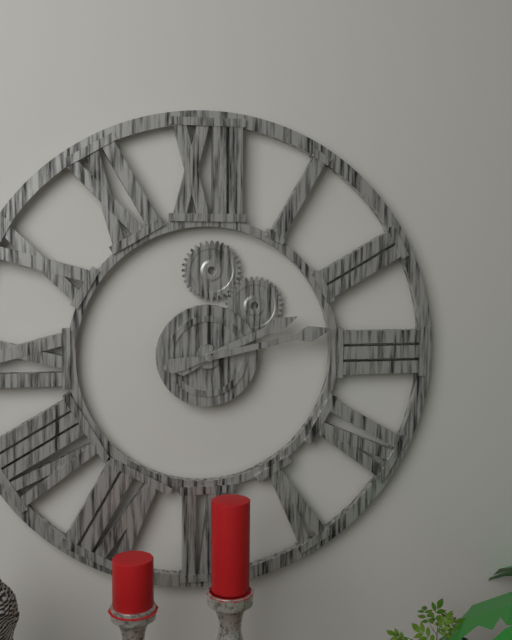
2:13
